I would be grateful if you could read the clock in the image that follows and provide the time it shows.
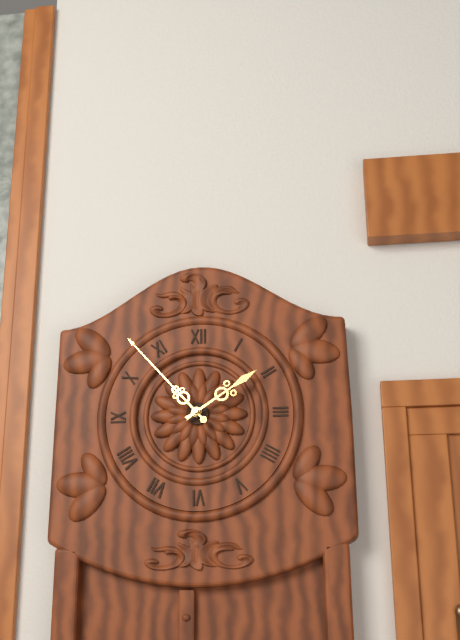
1:53
